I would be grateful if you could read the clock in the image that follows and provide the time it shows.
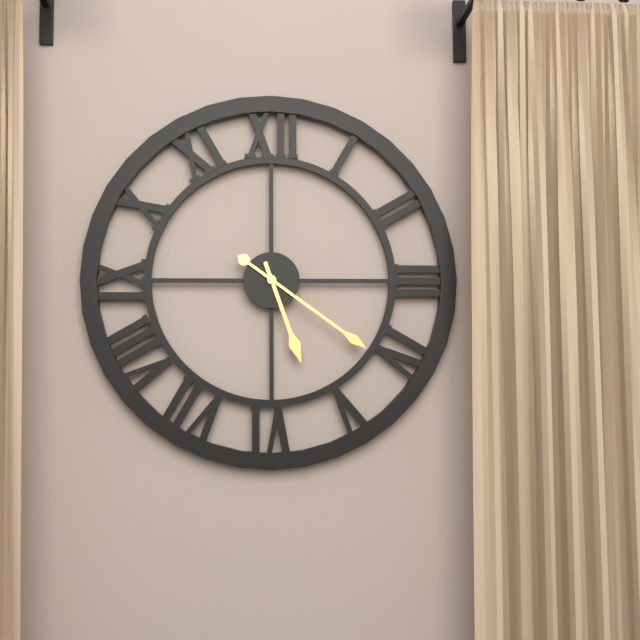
5:21
